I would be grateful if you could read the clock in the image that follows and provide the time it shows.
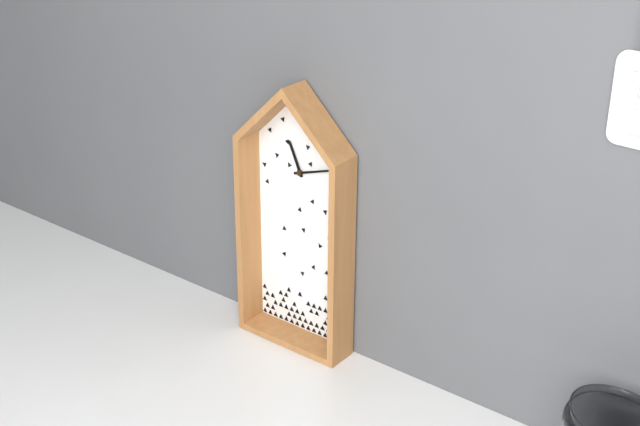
11:12
